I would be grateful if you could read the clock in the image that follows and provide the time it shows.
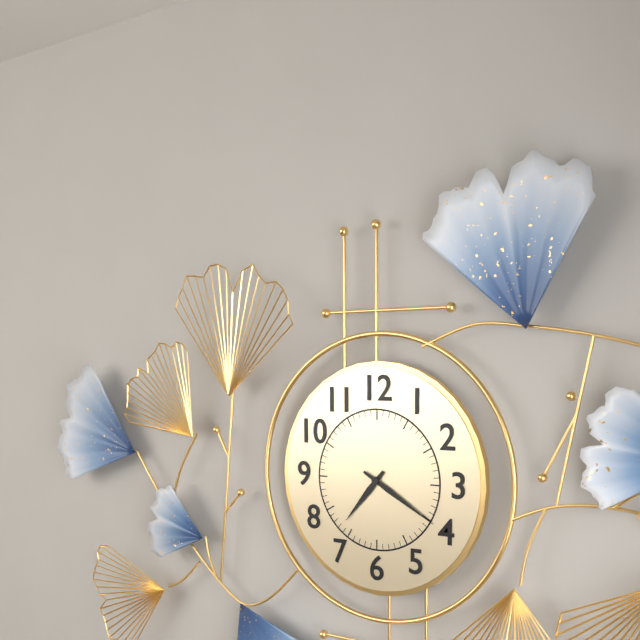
7:20
